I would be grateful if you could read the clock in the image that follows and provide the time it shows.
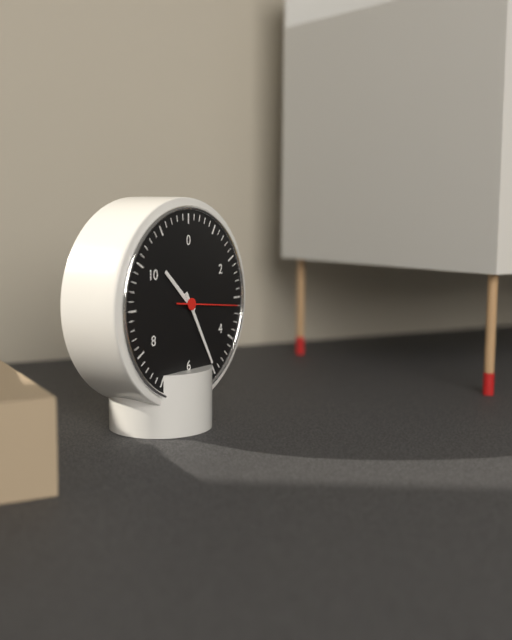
10:25:16
